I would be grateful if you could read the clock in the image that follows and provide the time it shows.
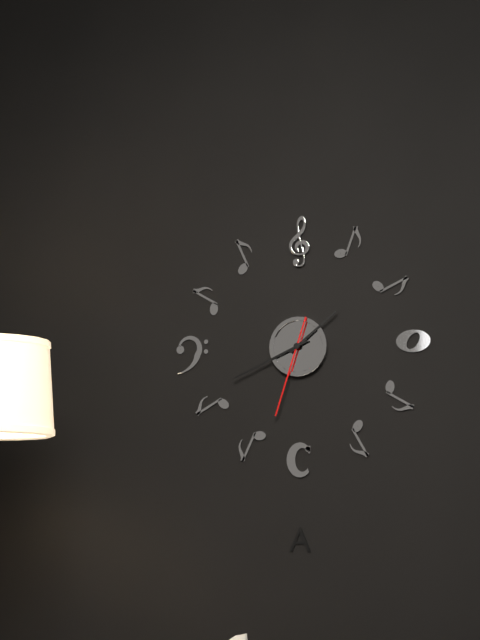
1:41:33
